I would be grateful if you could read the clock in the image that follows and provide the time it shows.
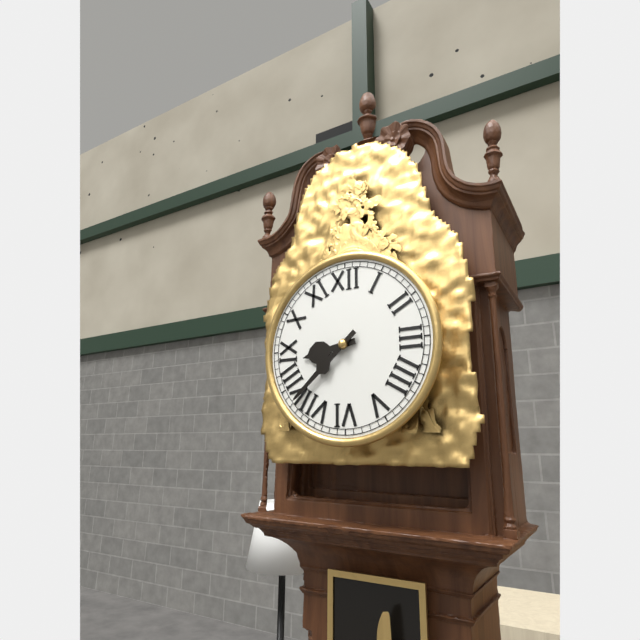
8:38
